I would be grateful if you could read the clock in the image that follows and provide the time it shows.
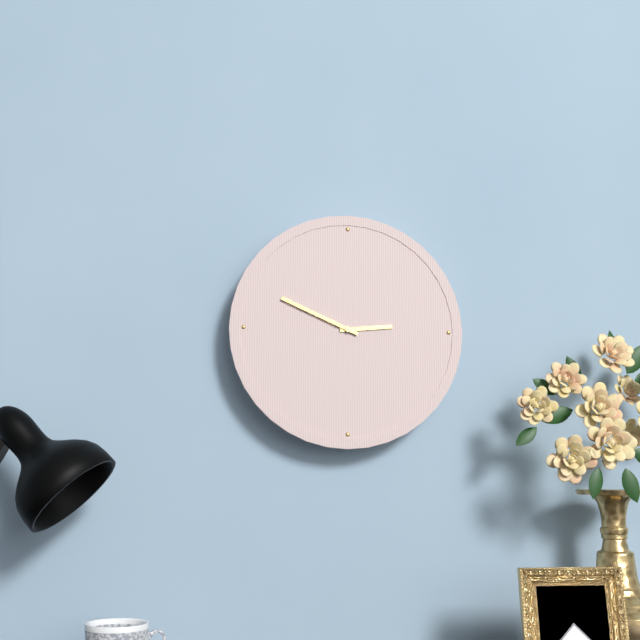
2:49
